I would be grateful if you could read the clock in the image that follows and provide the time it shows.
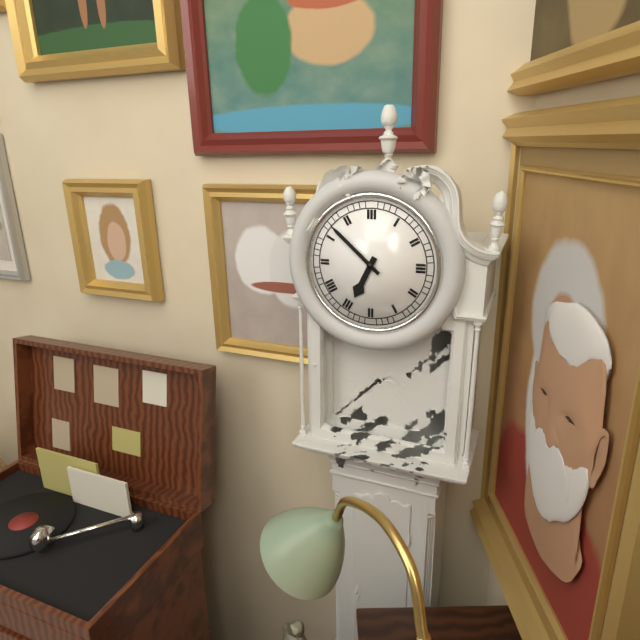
6:52
